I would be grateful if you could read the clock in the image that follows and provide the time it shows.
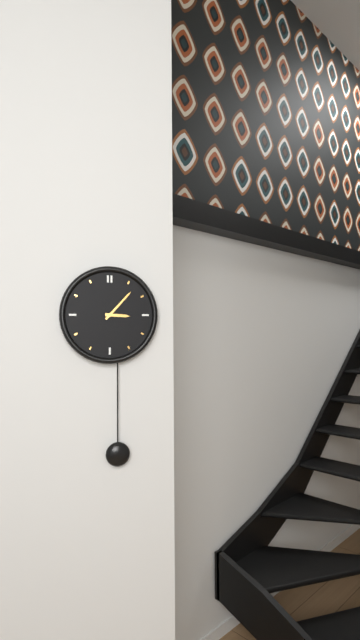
3:07
